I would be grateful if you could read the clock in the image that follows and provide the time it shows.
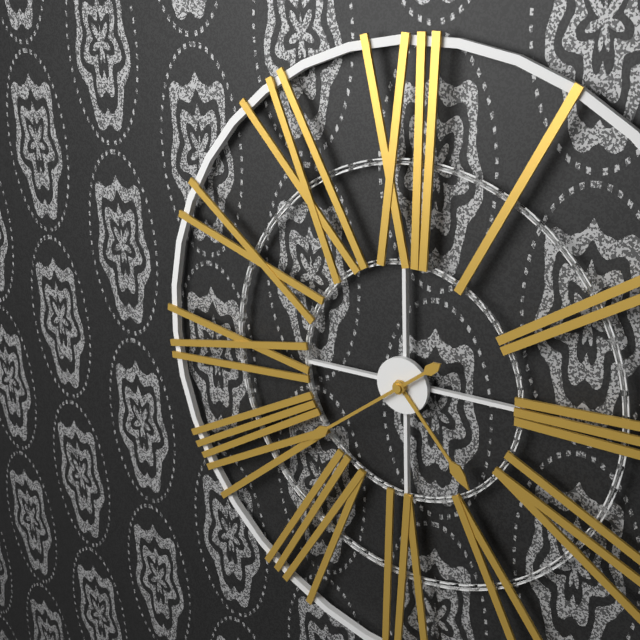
4:39
